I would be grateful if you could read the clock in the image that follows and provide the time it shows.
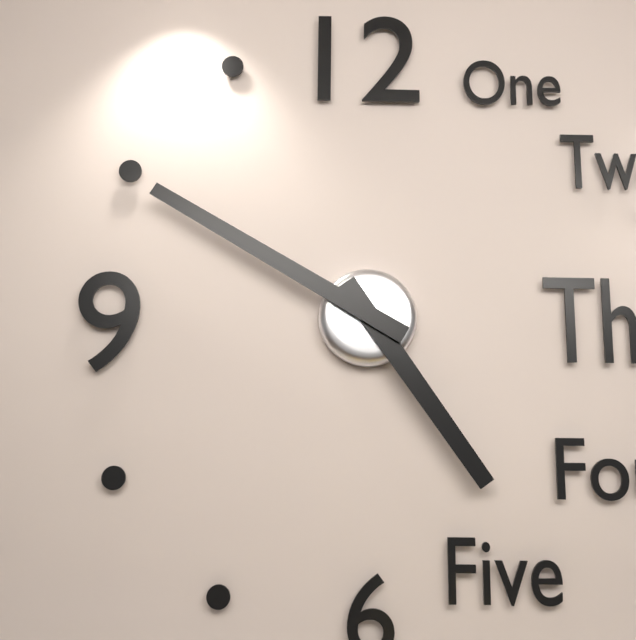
4:50
